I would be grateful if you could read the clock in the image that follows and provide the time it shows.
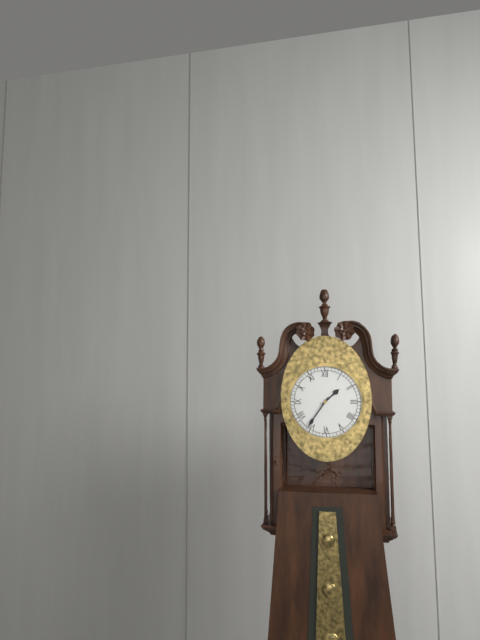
1:36
